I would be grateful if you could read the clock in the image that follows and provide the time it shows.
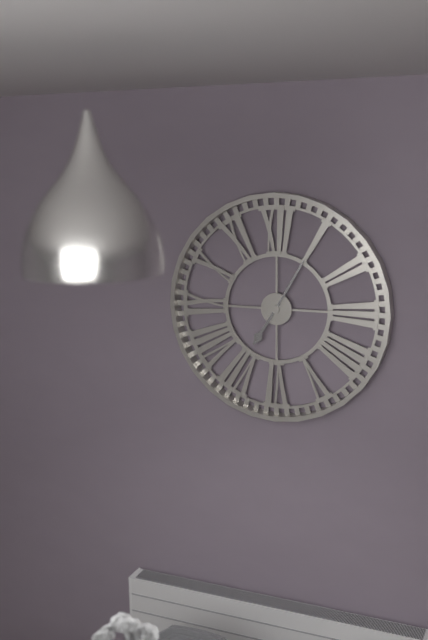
7:05
